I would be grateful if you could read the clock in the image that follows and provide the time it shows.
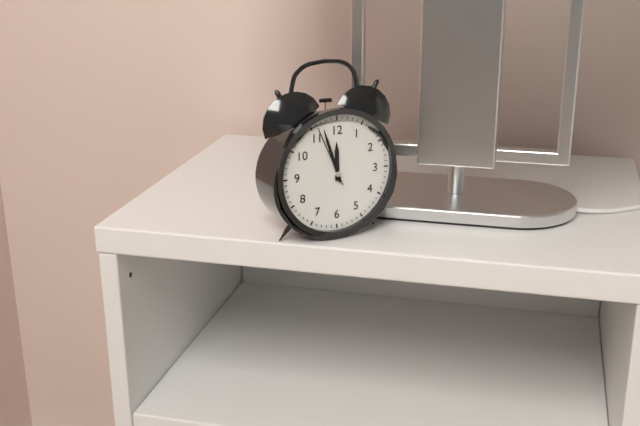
11:57:56
